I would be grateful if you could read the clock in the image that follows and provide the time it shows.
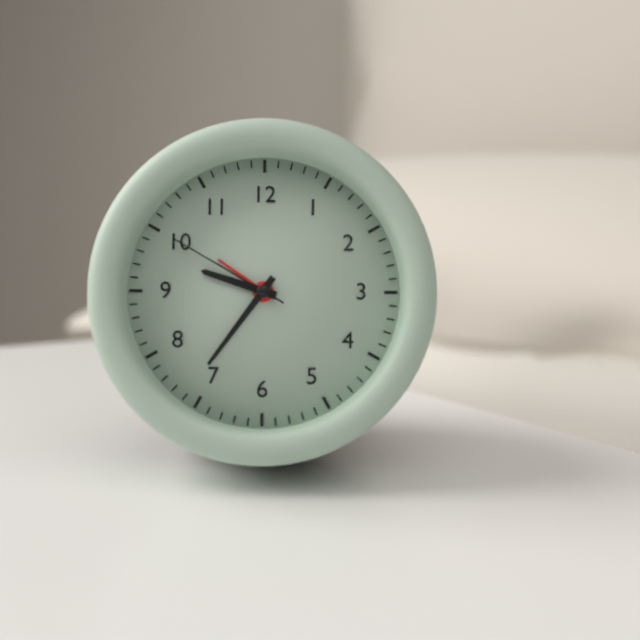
9:36:50
